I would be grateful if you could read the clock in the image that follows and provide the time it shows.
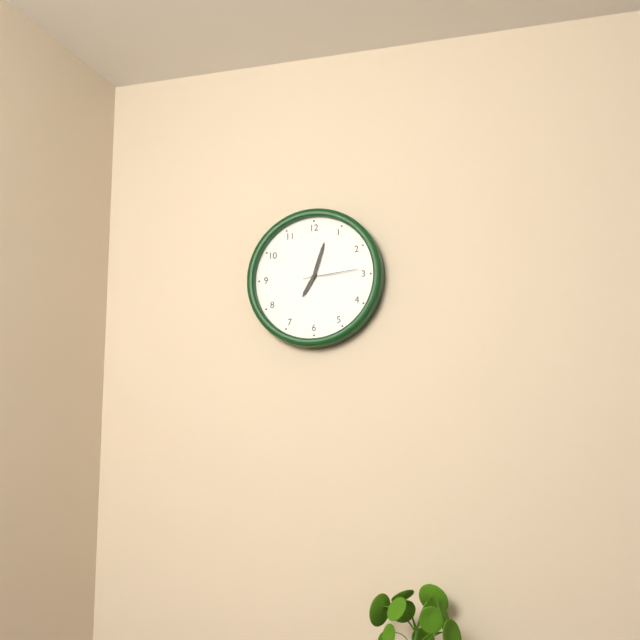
7:03:14
